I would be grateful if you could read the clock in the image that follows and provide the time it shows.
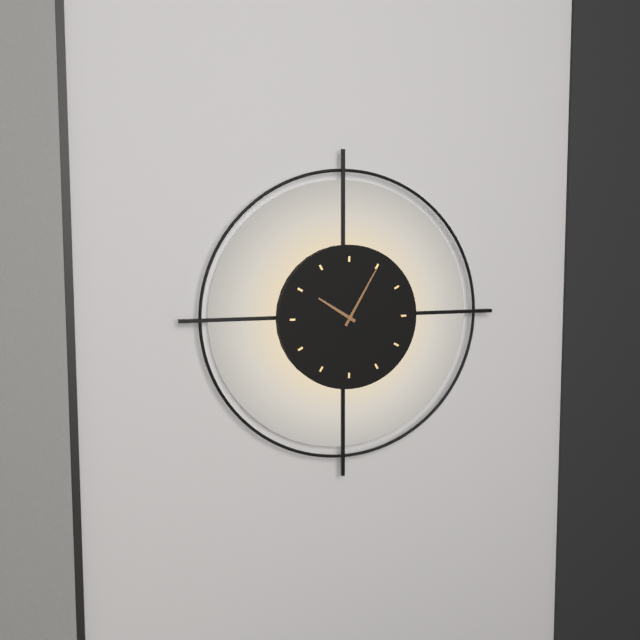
10:05
